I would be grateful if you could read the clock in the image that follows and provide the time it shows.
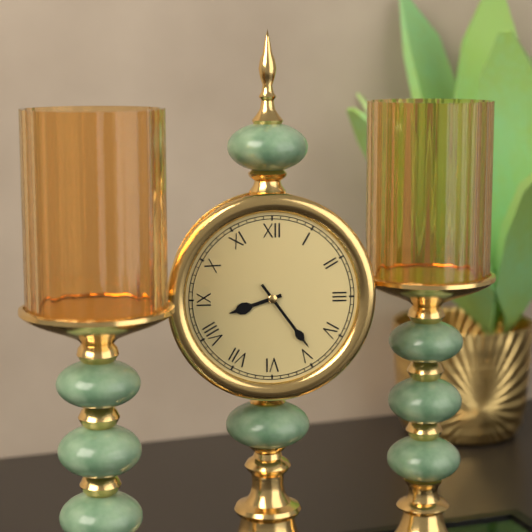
8:24
